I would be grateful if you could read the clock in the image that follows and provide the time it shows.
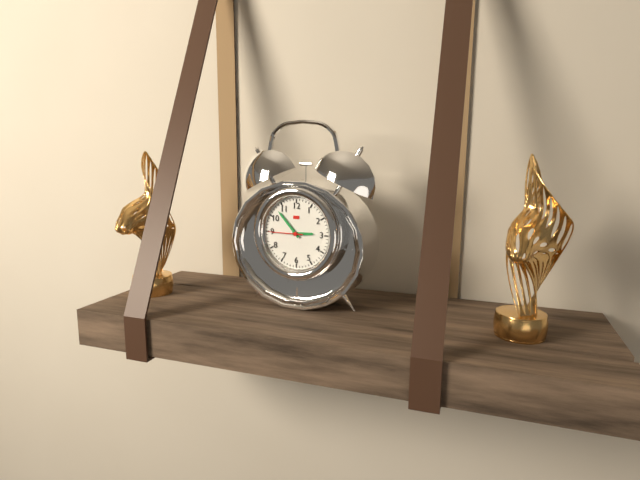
2:53
